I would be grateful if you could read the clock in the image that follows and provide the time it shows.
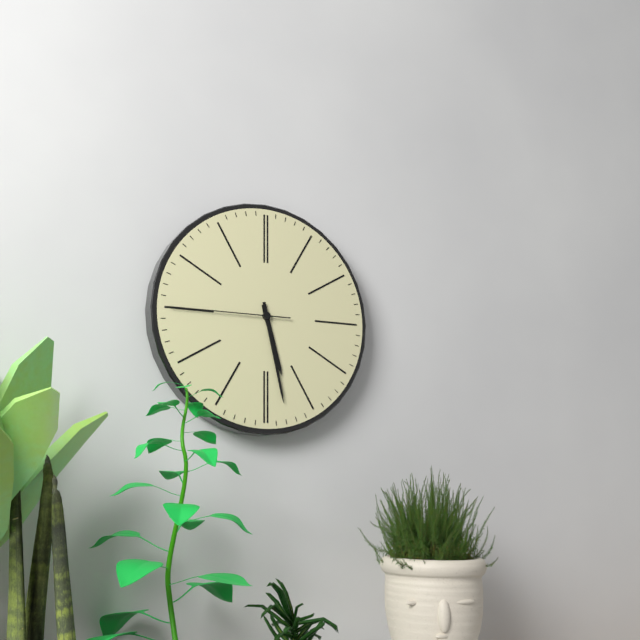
5:28:45
